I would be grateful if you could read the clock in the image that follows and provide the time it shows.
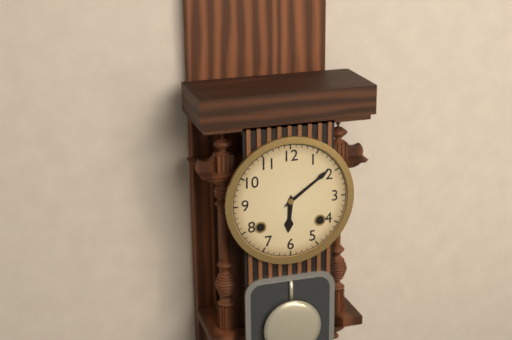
6:09
